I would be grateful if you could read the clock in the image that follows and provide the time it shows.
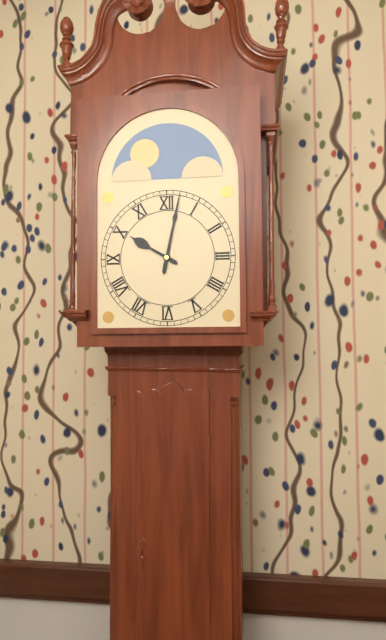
10:02
